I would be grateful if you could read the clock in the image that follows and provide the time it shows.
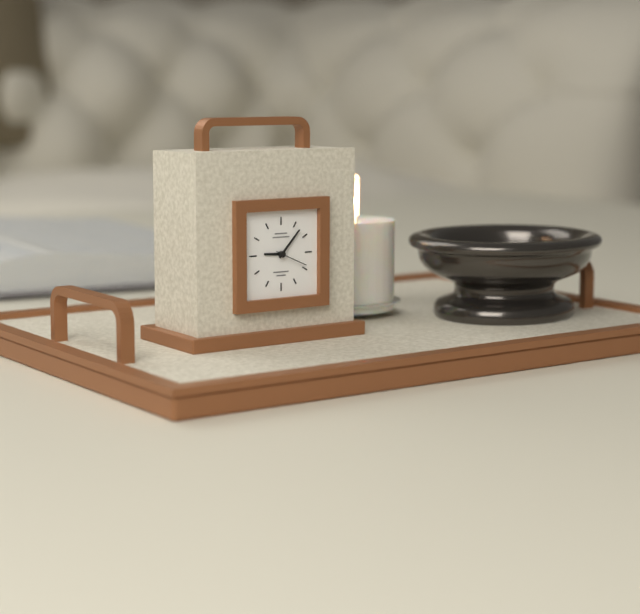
9:07
